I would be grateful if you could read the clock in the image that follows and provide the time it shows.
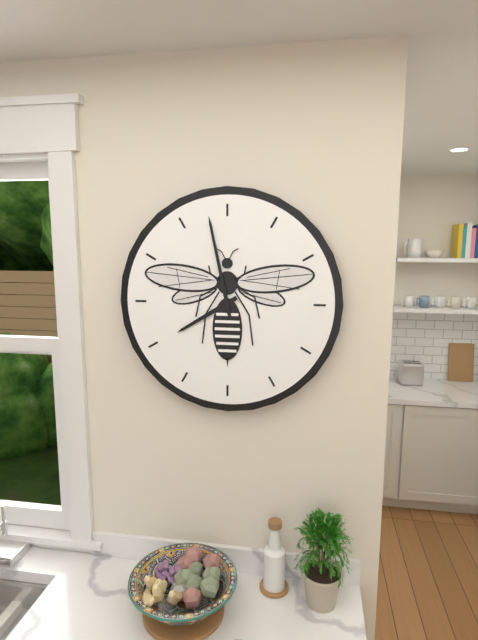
7:58
